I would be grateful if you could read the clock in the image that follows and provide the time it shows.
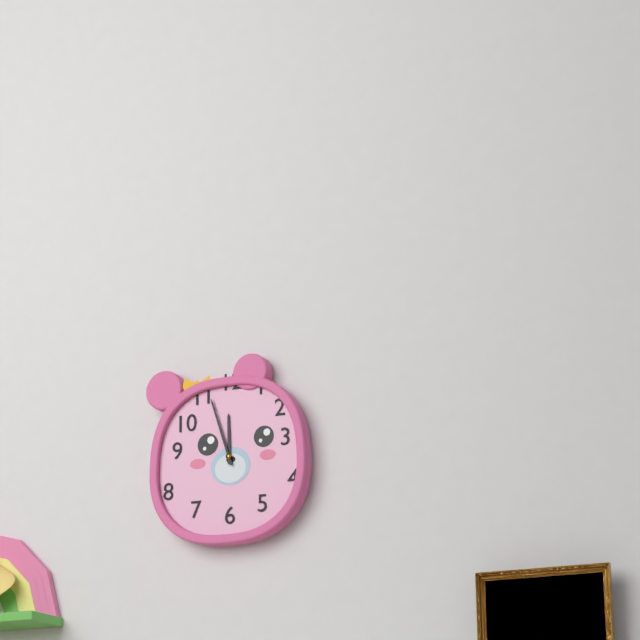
11:57
